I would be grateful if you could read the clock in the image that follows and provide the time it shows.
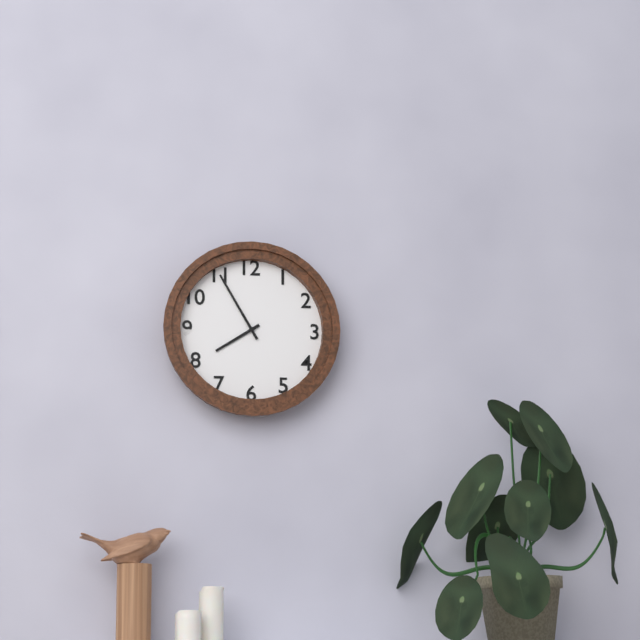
7:55
